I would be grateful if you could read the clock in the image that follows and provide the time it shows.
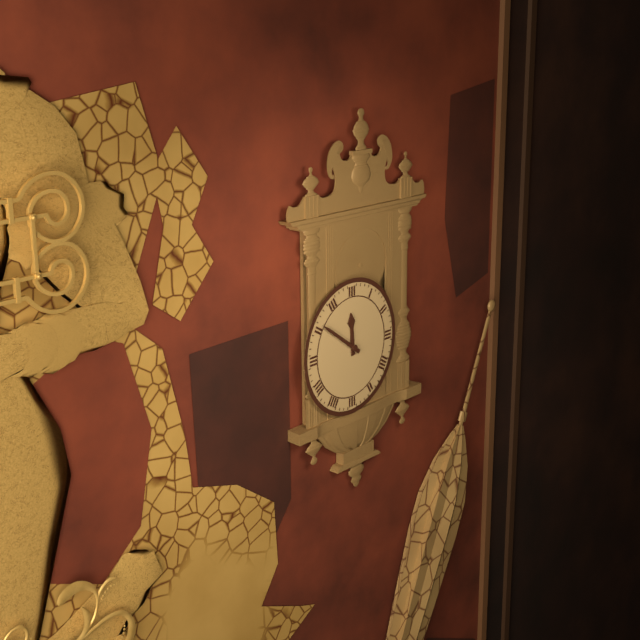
11:51
